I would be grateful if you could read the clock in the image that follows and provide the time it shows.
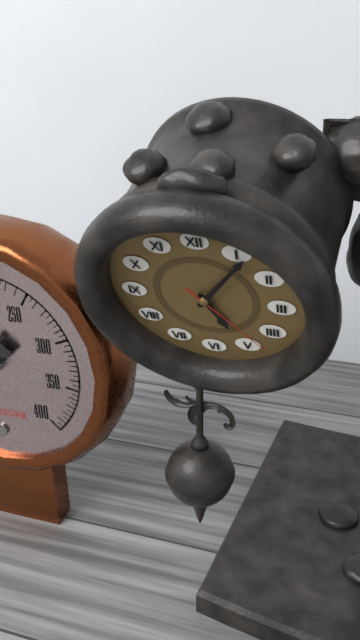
5:06:23
